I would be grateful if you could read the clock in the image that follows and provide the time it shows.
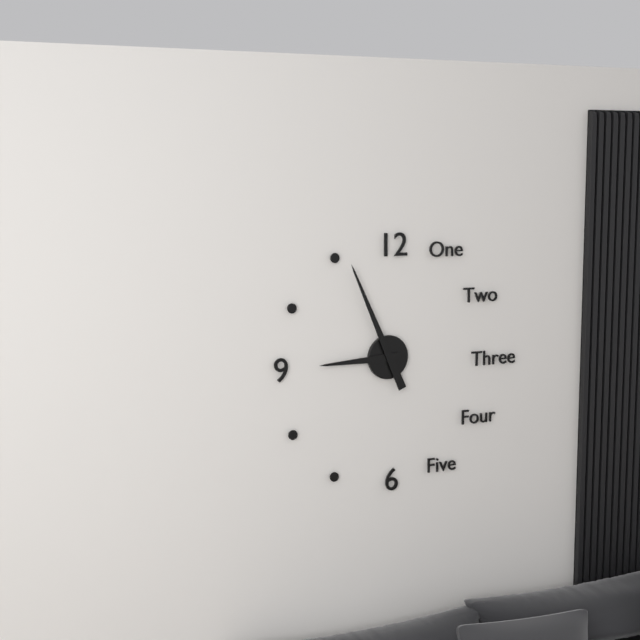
8:56
